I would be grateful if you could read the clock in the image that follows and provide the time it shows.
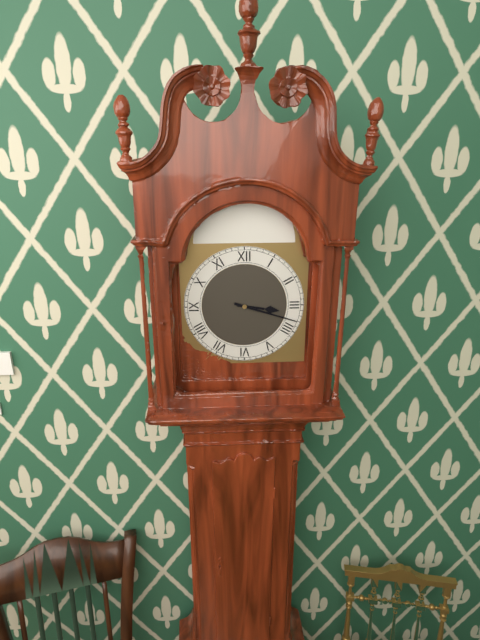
3:18
